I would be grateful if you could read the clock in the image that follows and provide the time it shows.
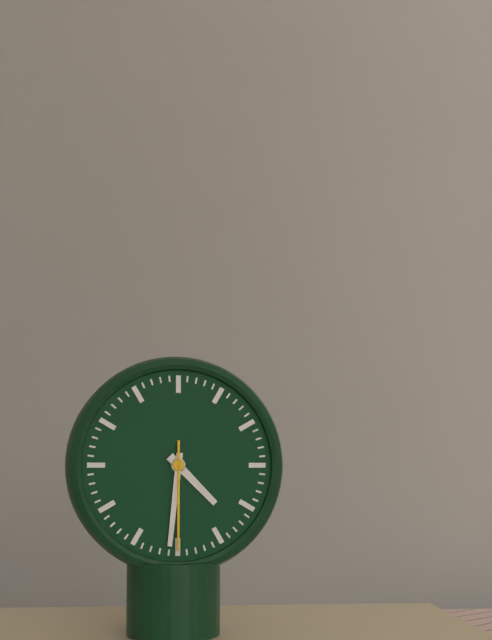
4:31:30
